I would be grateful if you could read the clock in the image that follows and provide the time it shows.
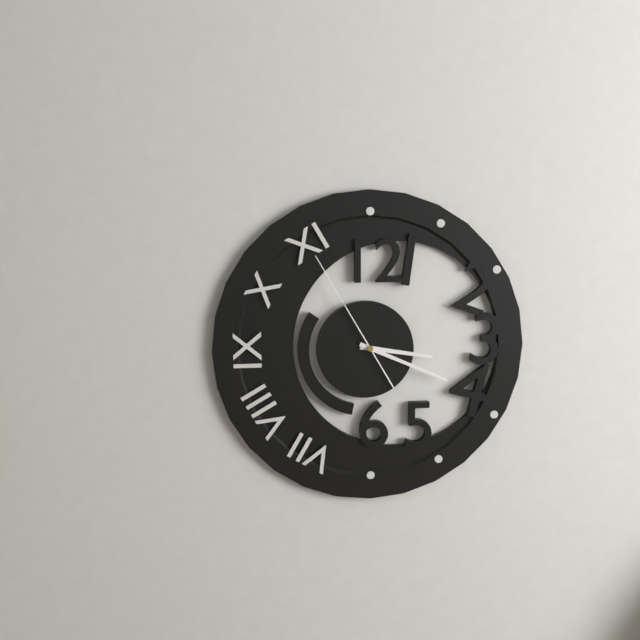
3:19:55
